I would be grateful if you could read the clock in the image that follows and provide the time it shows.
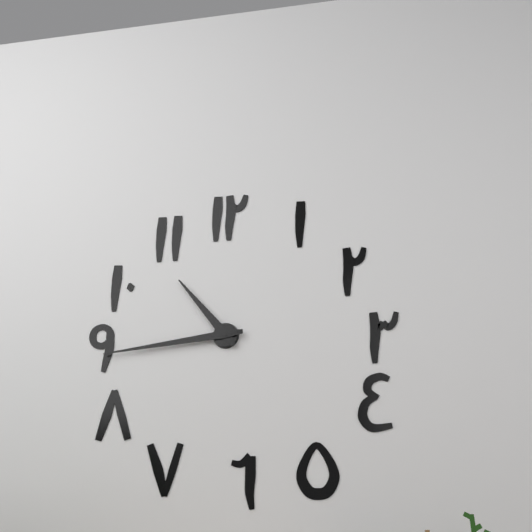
10:44
